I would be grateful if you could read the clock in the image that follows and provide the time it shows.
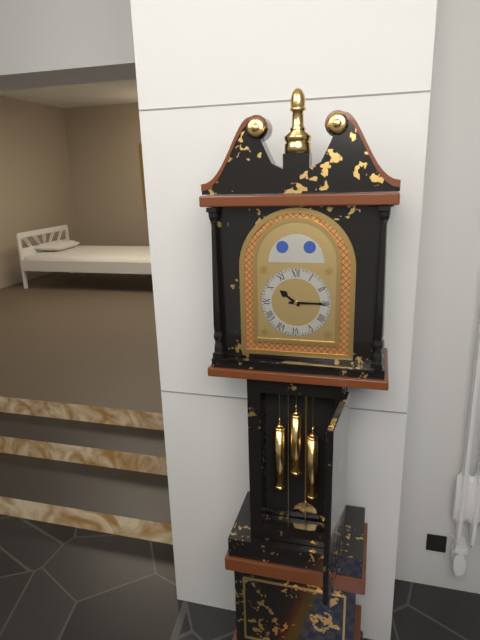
10:15
